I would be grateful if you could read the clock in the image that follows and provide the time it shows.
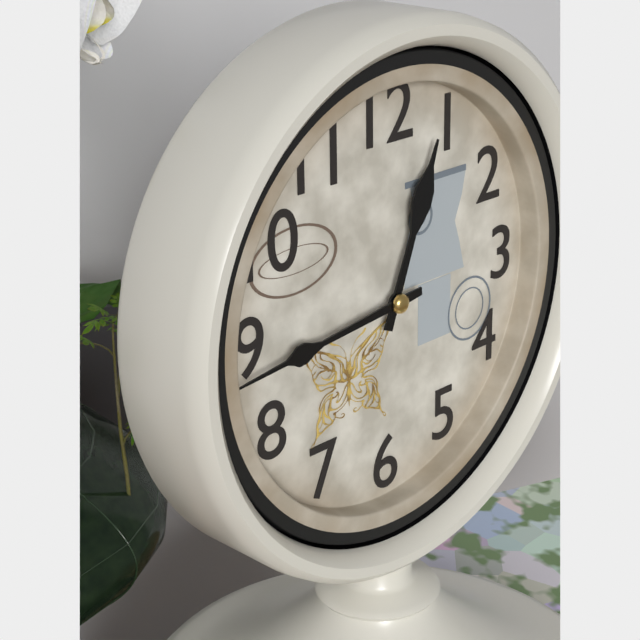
12:44
